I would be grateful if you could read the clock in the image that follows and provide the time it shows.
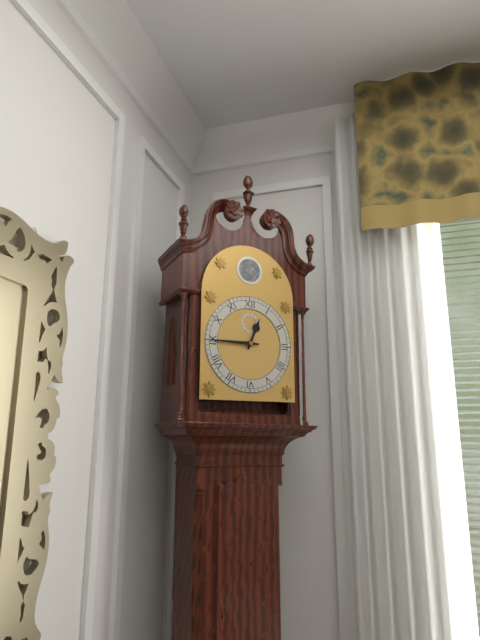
12:45
